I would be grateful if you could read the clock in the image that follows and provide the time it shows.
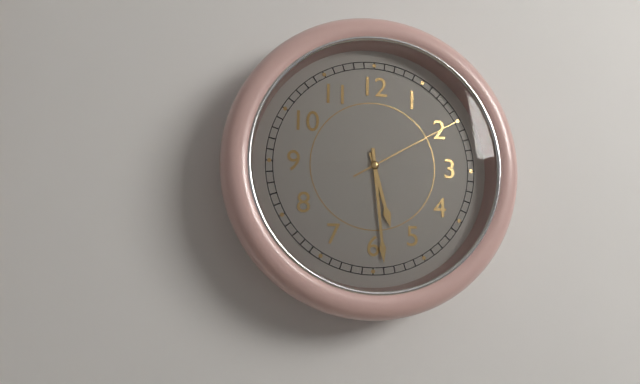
5:29:10
